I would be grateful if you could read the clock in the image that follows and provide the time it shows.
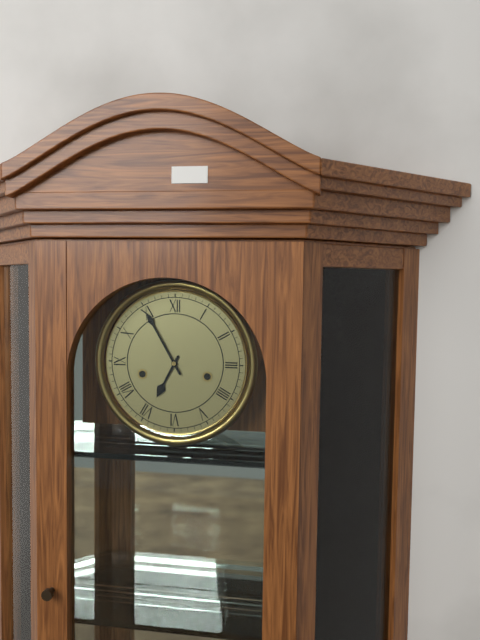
6:55
